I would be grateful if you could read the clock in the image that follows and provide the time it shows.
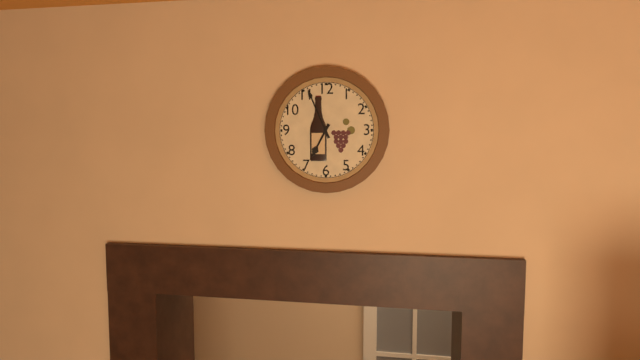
6:56
